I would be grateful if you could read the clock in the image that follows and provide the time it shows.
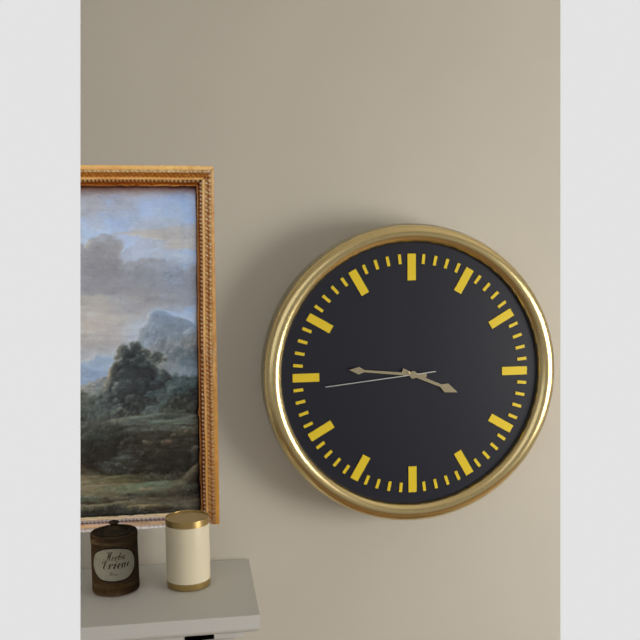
3:46:44
